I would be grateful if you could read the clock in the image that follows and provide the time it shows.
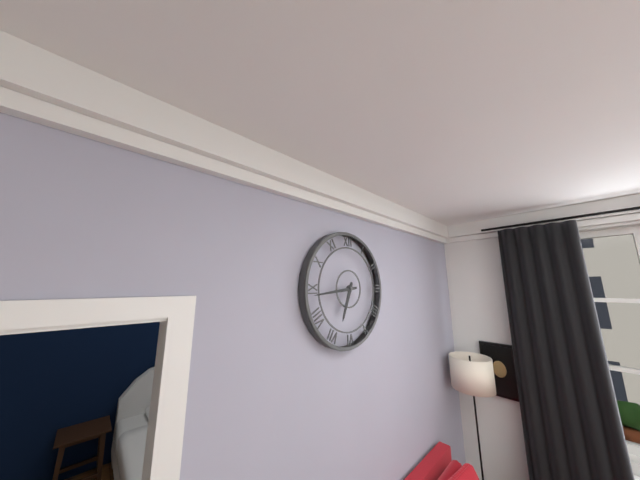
6:44
